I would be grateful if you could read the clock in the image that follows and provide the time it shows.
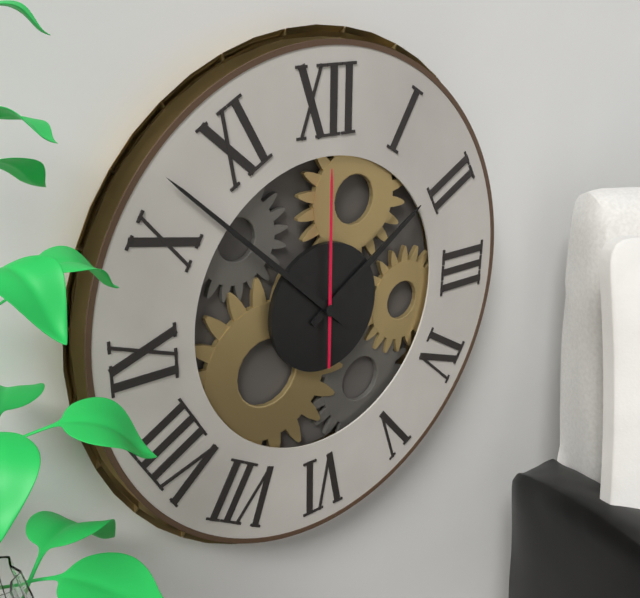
1:52:00
